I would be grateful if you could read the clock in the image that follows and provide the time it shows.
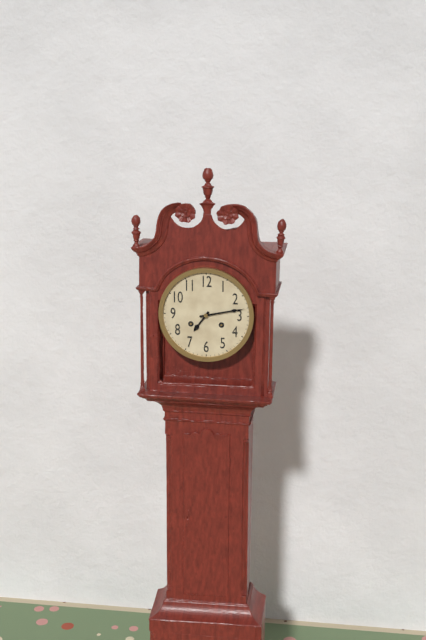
7:13
